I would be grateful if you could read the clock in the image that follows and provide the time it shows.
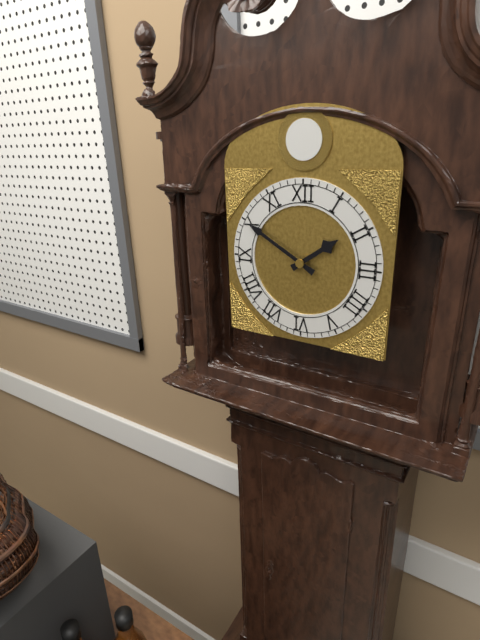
1:50
